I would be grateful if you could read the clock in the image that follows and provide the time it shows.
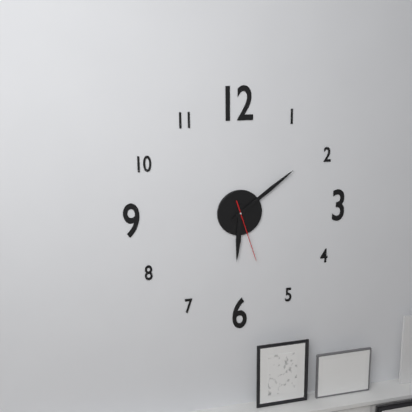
6:09:27
